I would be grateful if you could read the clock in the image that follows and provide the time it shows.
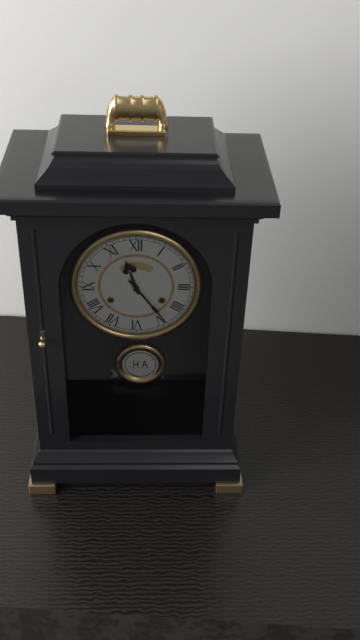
11:24
